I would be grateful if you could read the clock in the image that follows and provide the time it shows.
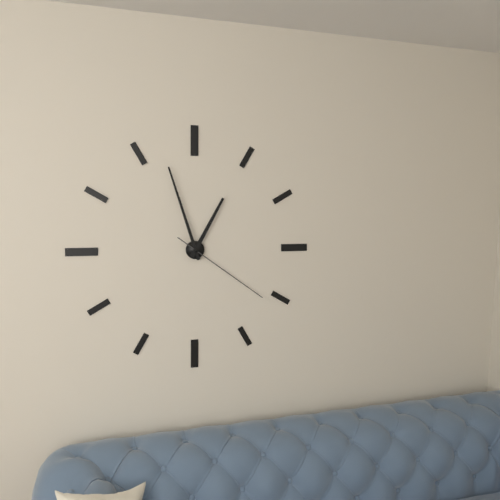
12:57:21
